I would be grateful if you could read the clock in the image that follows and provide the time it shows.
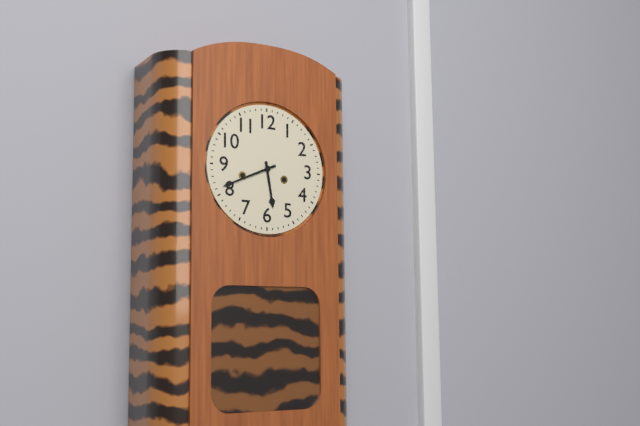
5:41
